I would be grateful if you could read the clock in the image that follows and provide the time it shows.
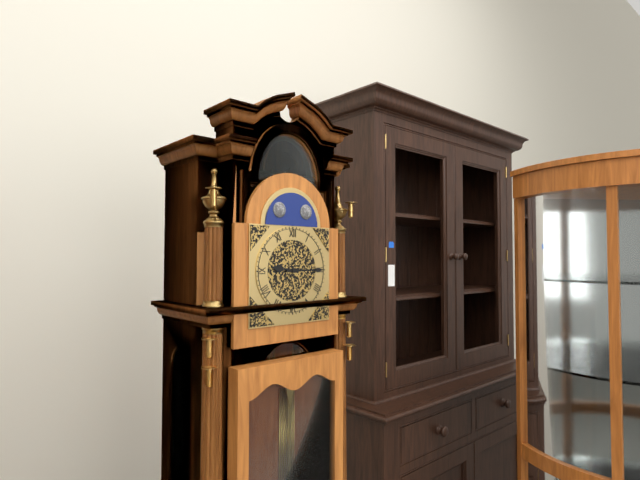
9:15
